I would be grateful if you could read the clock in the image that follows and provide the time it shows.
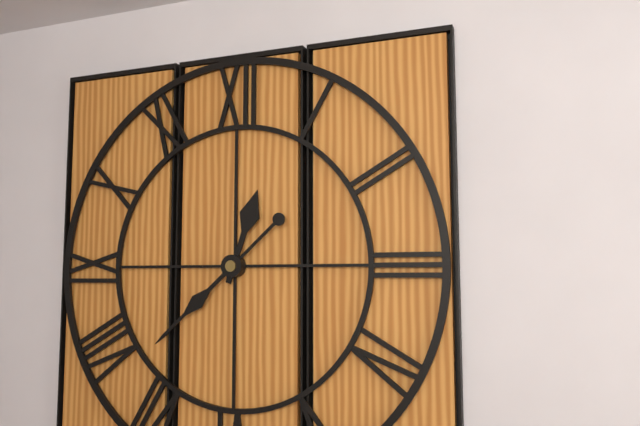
12:38
